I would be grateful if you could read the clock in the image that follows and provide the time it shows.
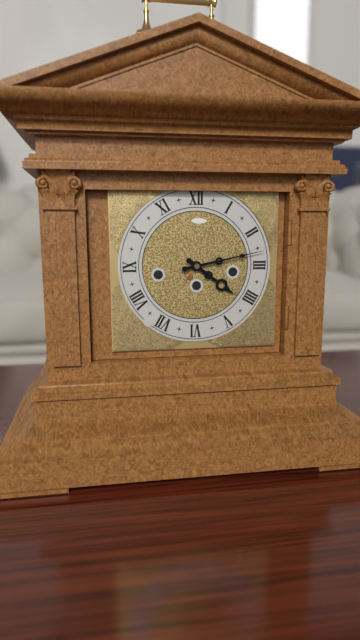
4:13
